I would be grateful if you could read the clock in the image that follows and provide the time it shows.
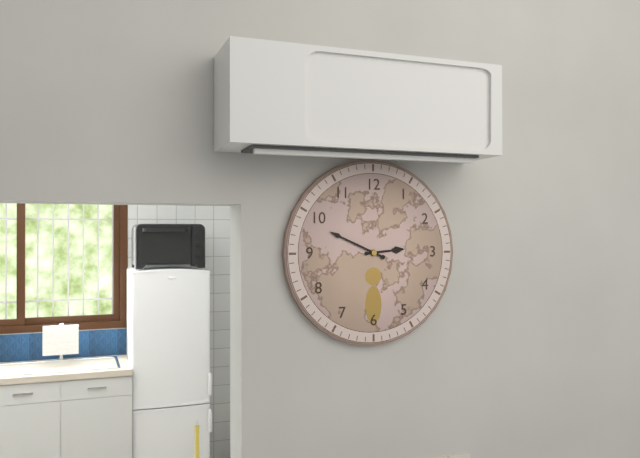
2:49
